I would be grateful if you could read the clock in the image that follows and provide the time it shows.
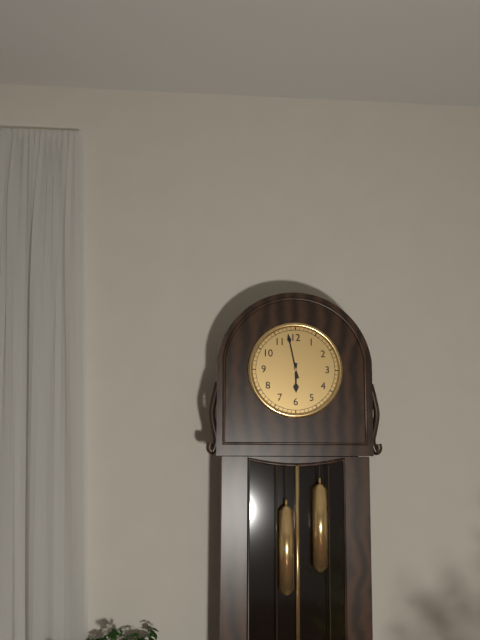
5:58
